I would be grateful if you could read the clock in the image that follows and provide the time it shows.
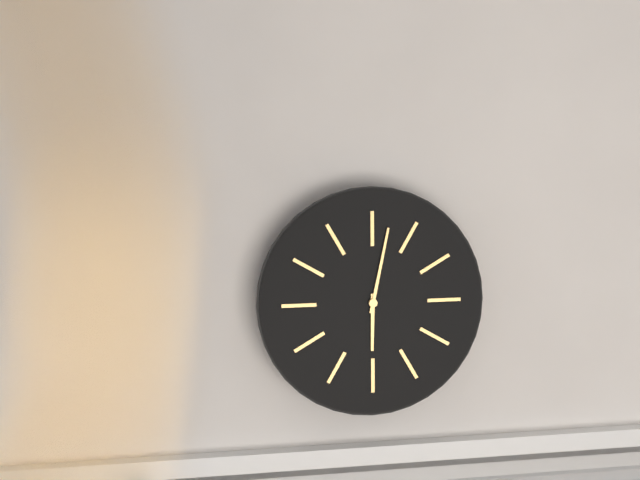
6:02
